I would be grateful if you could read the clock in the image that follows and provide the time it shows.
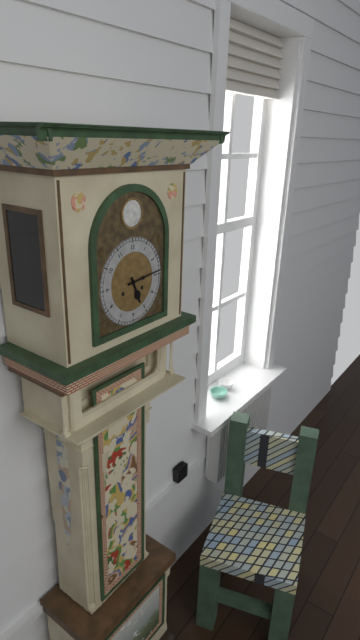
5:14
